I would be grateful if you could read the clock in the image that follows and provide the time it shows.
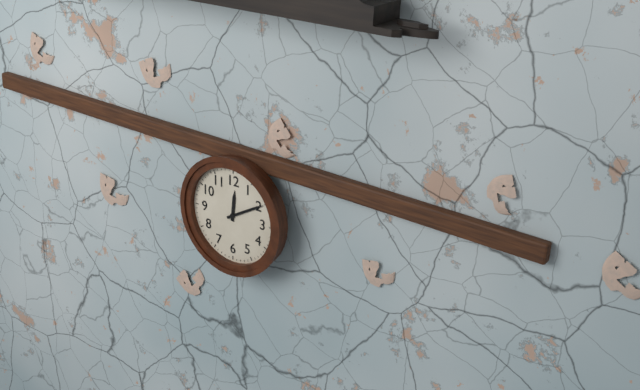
12:10
